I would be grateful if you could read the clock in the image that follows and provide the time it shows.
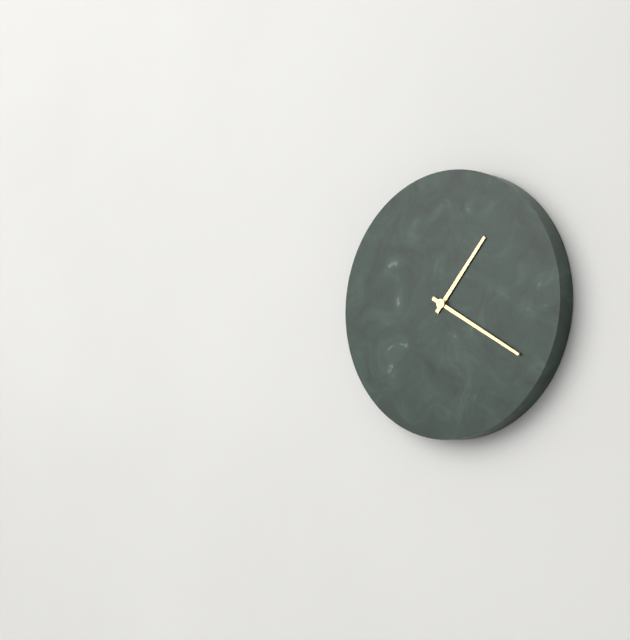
1:20
